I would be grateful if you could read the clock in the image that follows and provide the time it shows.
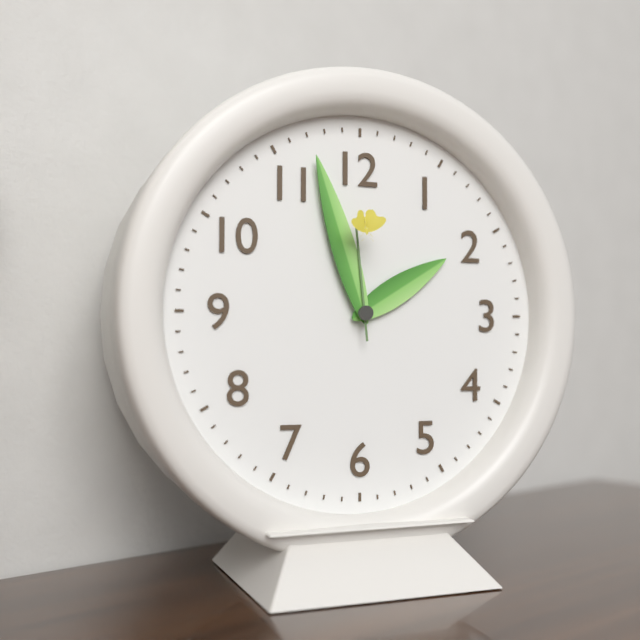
1:57:59
